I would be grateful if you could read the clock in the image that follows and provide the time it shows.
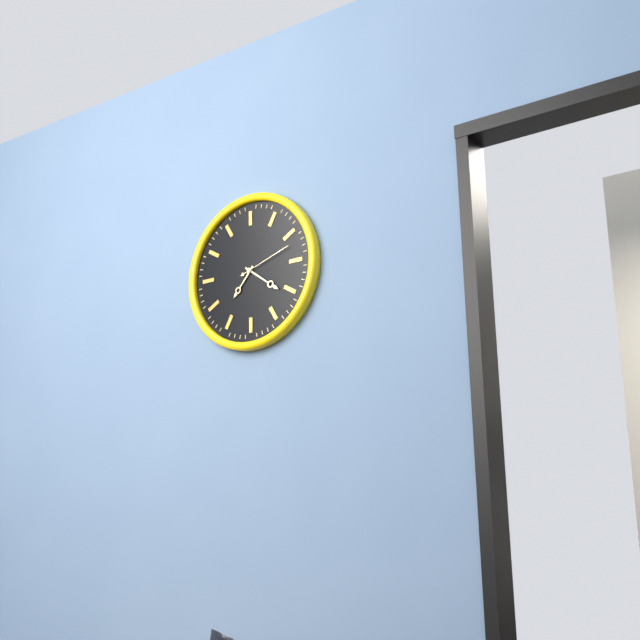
7:21:12
